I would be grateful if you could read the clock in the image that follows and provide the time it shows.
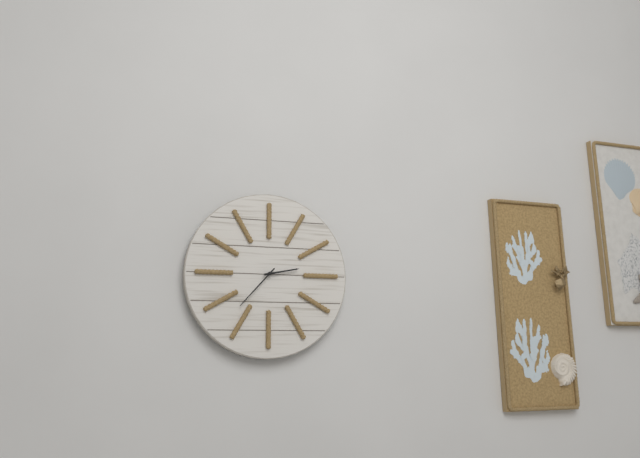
2:37
